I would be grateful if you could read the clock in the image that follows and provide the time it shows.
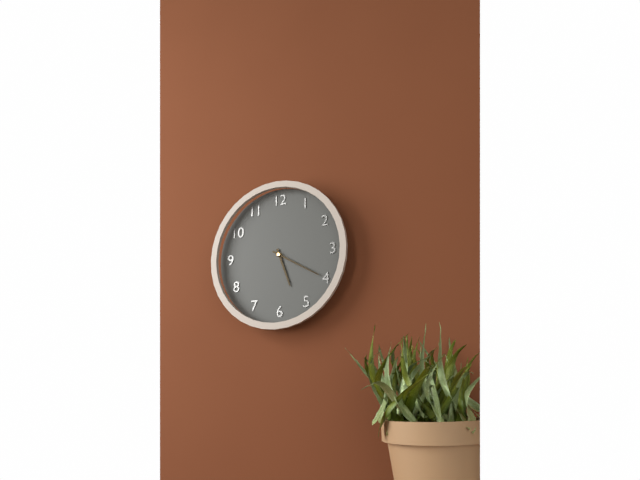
5:20
